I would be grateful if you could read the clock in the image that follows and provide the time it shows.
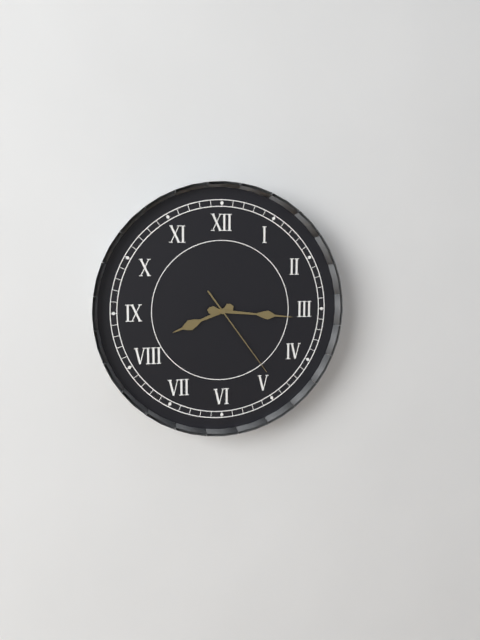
8:16:24
